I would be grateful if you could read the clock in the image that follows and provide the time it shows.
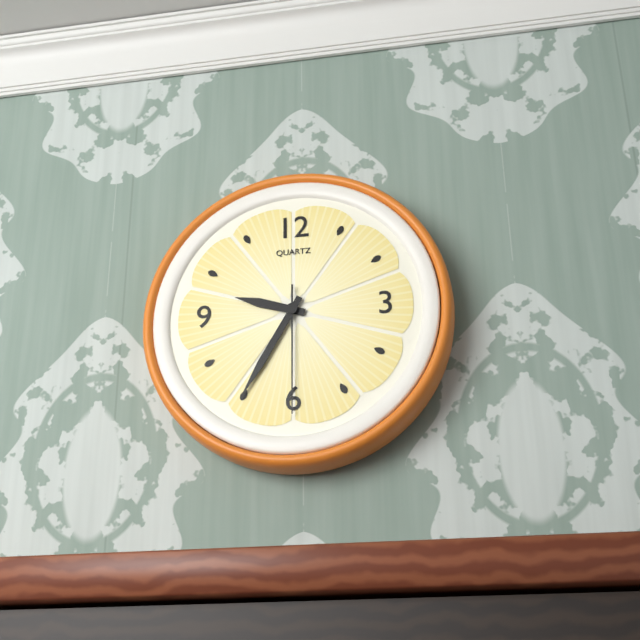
9:35:30
